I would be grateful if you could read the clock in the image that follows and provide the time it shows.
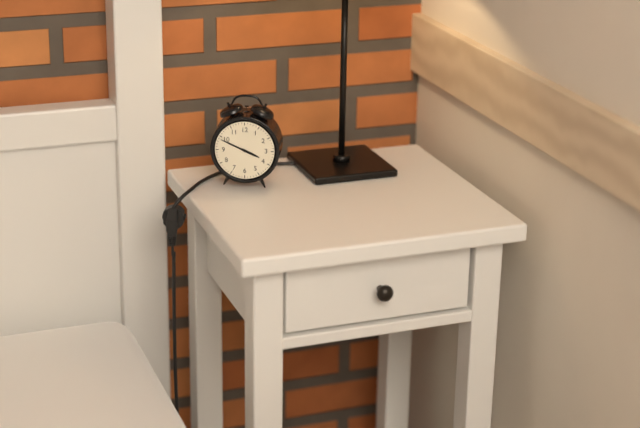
3:49
